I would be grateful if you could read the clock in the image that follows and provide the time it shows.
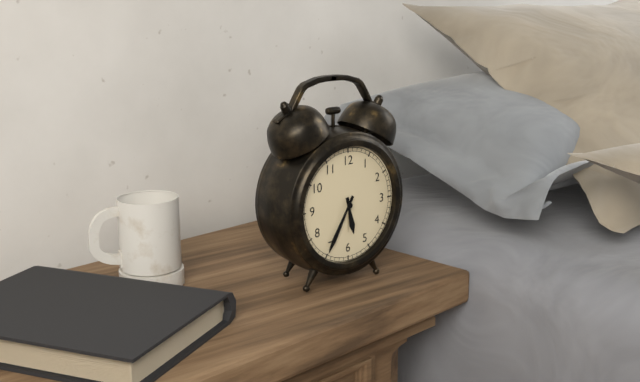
5:35
